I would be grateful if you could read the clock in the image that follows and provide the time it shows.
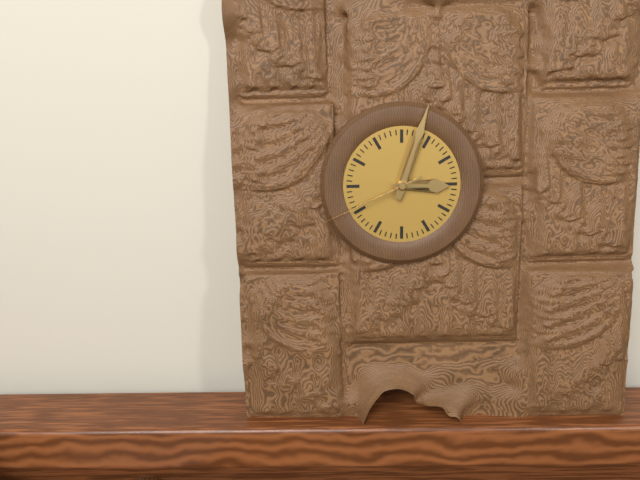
3:03:41
